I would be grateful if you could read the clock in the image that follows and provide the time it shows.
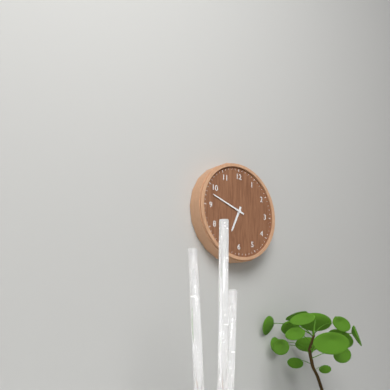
6:48
